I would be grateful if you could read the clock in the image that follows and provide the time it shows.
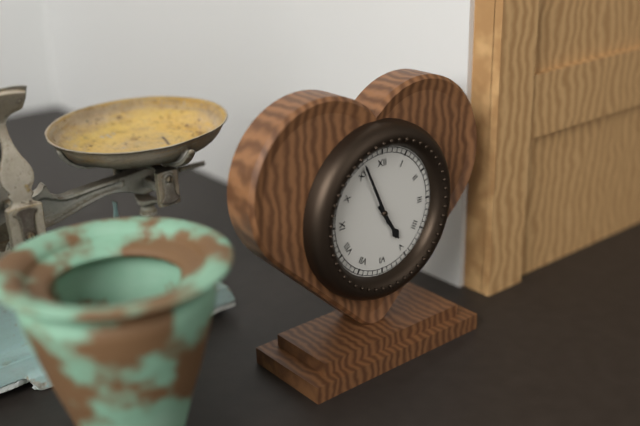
4:56
